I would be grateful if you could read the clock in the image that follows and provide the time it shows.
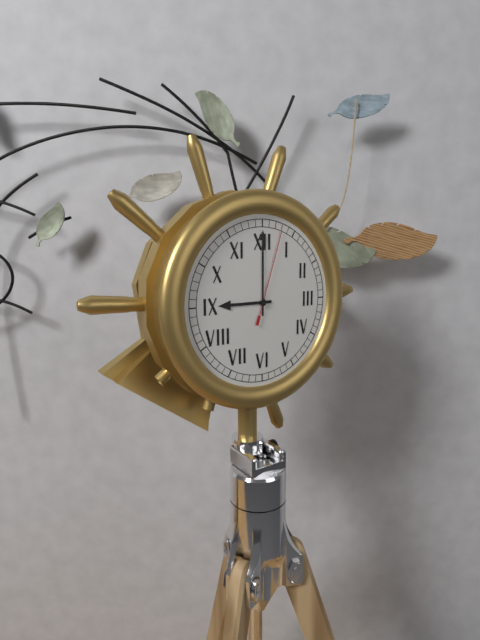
9:00:03
